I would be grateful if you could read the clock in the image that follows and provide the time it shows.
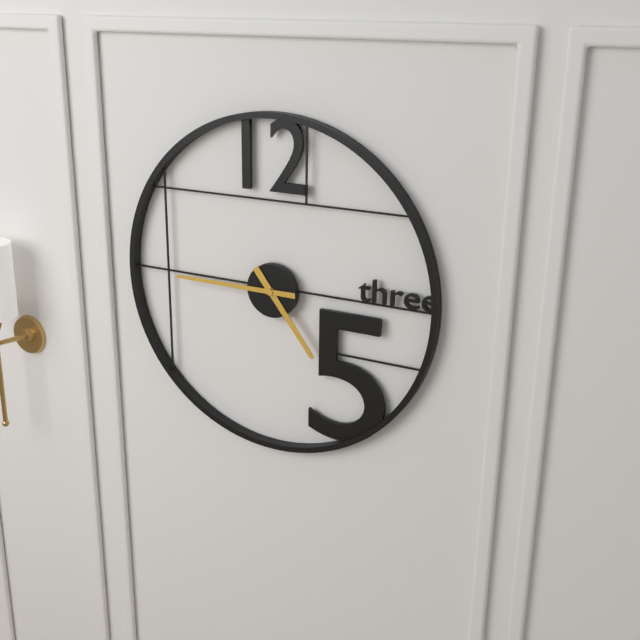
4:45
